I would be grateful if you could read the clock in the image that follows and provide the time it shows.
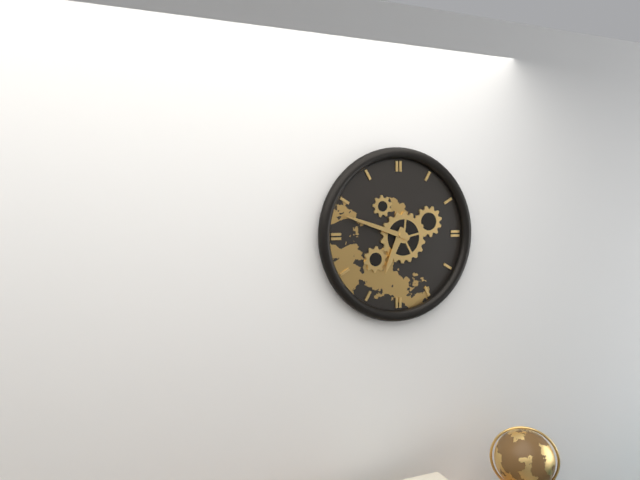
6:48
